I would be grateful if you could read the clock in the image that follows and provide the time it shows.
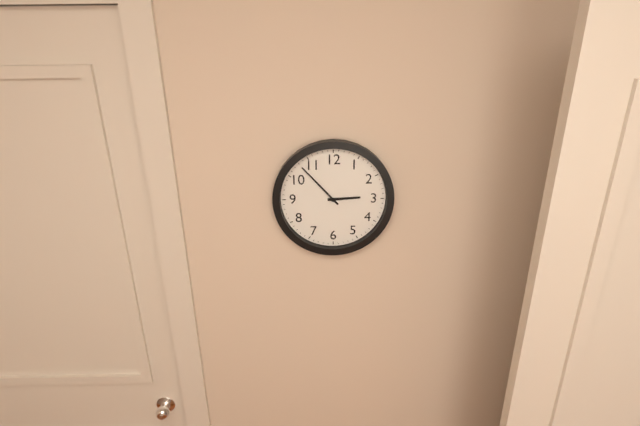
2:53
